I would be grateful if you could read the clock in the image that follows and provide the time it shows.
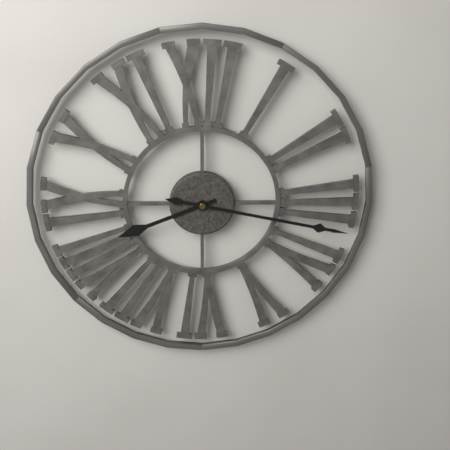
8:17
